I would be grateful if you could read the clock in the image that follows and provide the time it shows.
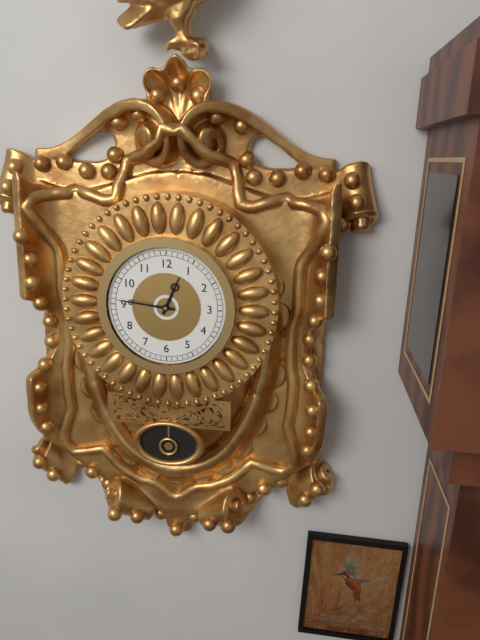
12:46
